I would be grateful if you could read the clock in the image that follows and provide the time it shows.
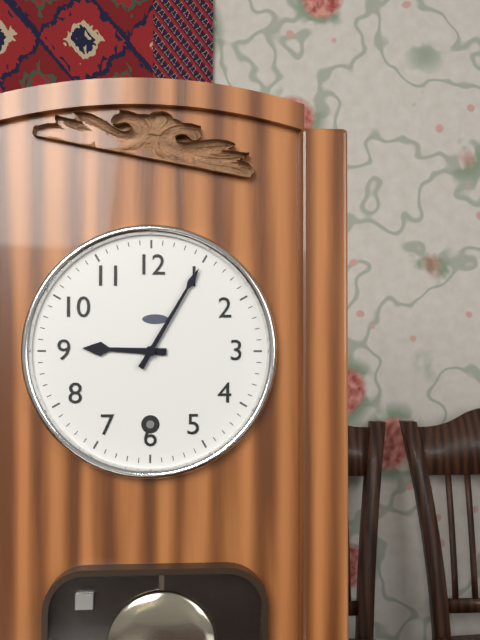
9:05
